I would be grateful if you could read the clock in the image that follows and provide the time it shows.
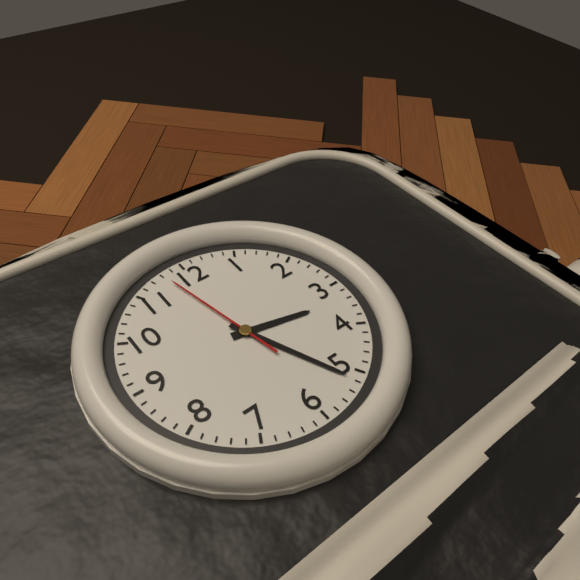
3:26:58
